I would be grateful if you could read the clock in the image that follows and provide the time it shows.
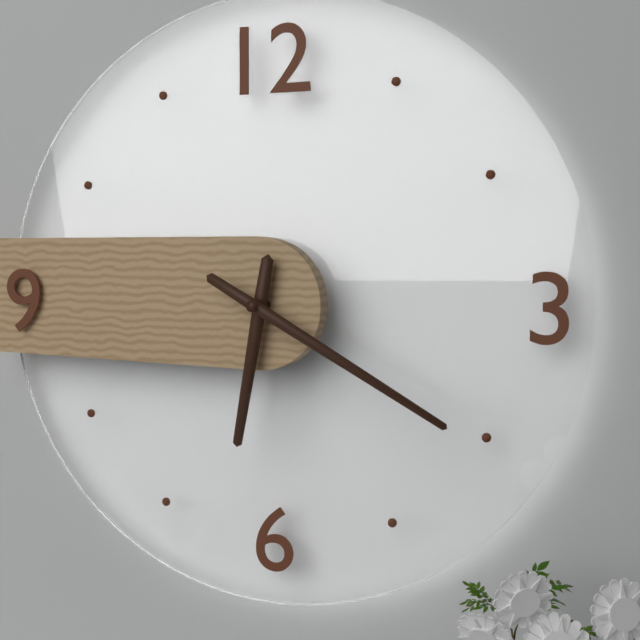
6:20
